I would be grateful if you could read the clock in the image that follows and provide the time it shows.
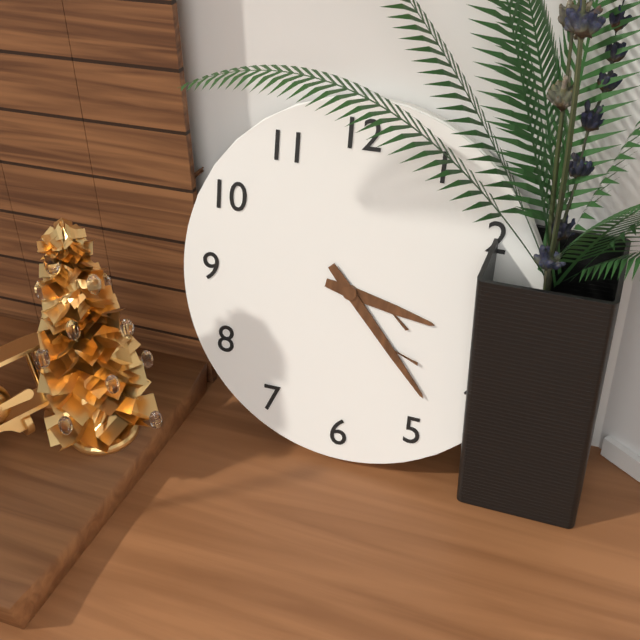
3:23
